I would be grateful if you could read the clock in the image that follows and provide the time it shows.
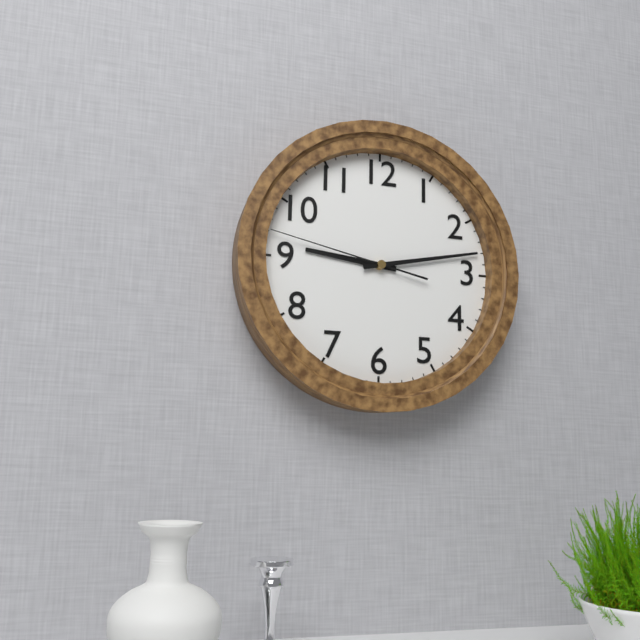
9:13:47
